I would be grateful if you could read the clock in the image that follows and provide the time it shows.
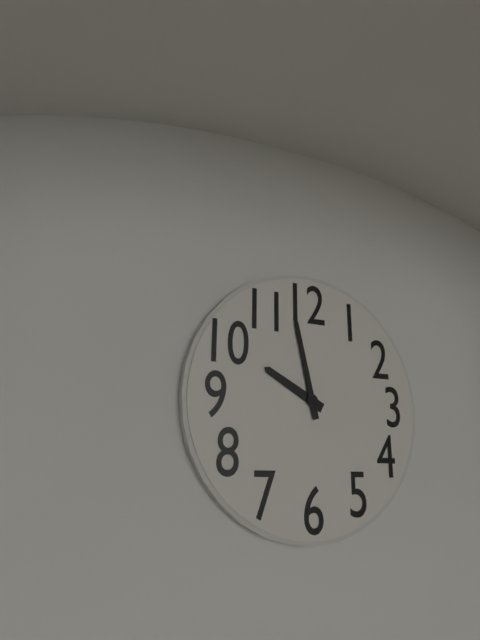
9:58
